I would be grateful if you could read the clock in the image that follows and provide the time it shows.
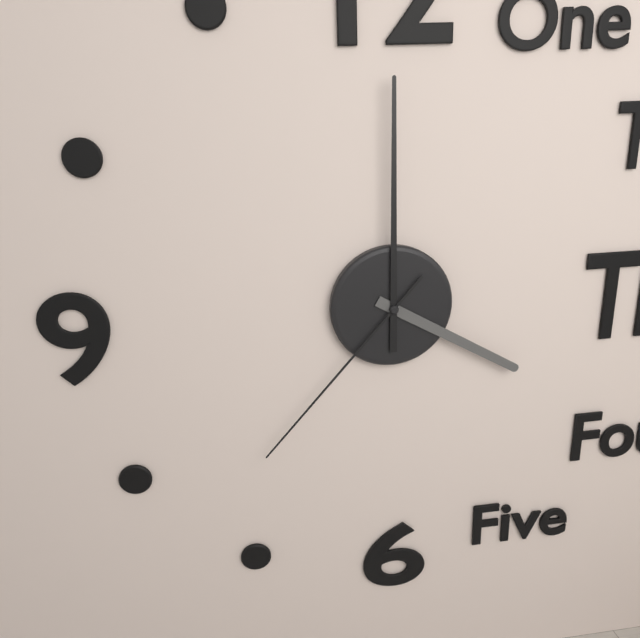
4:00:37
